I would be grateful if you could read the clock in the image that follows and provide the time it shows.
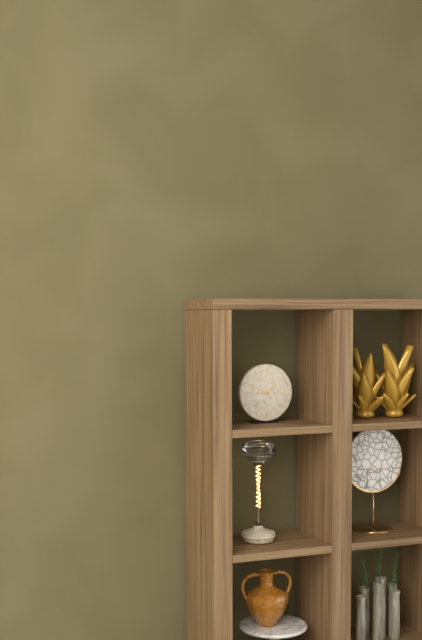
1:49
